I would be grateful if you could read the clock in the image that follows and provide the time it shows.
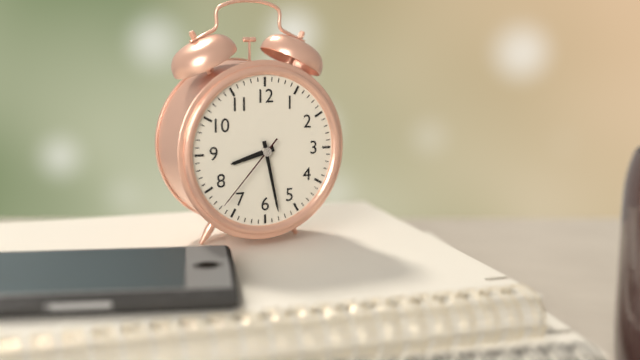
8:28:37
